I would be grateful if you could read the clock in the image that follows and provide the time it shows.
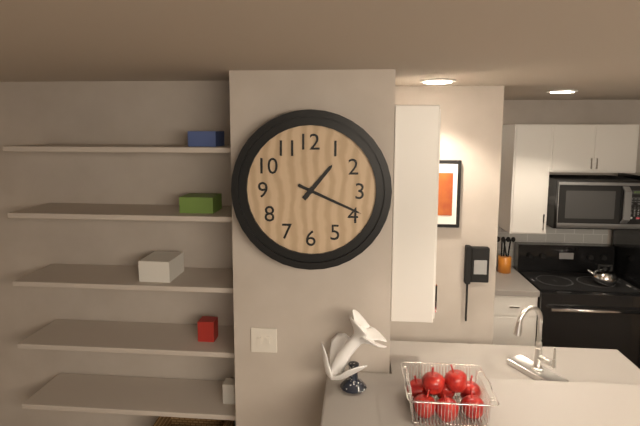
1:19
